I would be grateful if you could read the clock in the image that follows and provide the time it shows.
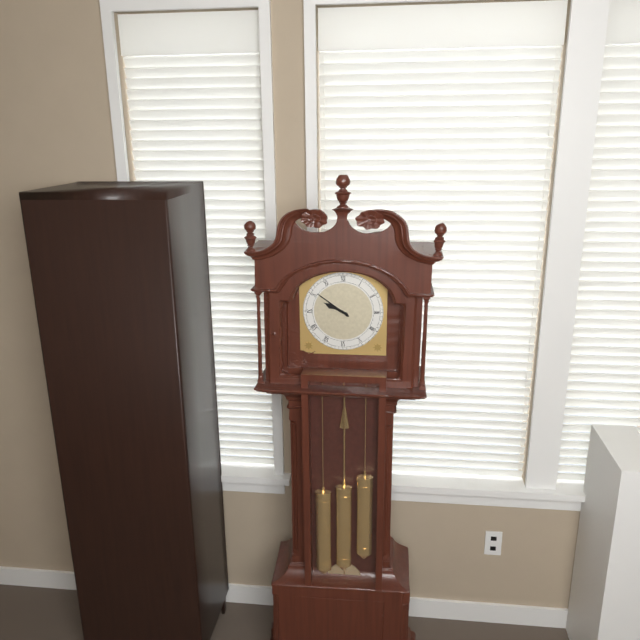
9:51
